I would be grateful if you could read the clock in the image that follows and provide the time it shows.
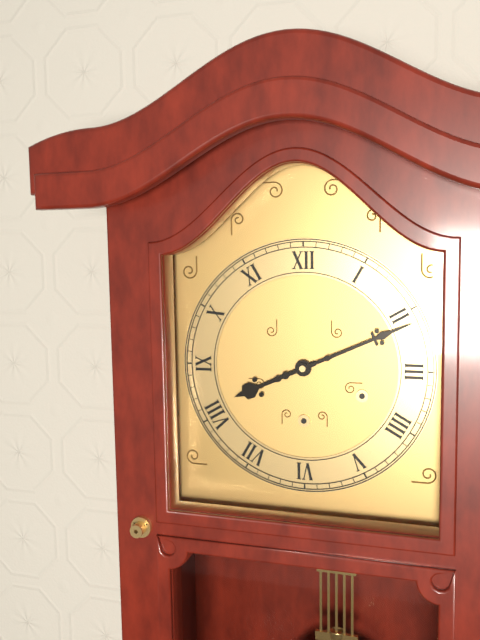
8:11
